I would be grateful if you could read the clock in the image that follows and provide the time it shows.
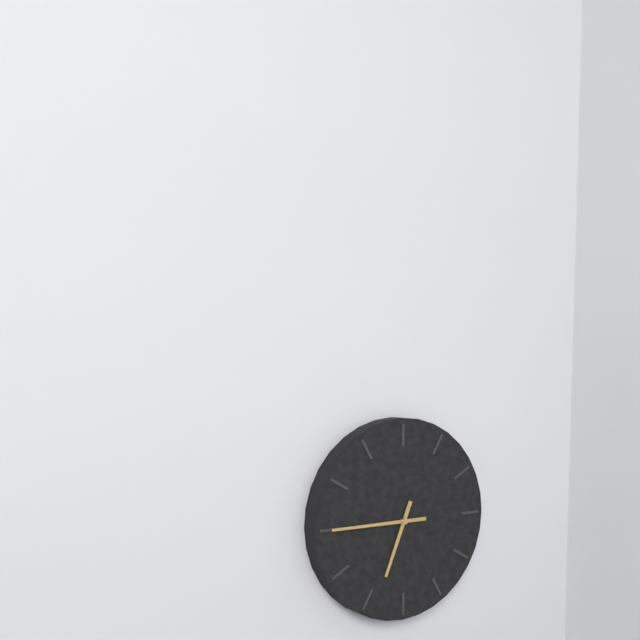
6:45
